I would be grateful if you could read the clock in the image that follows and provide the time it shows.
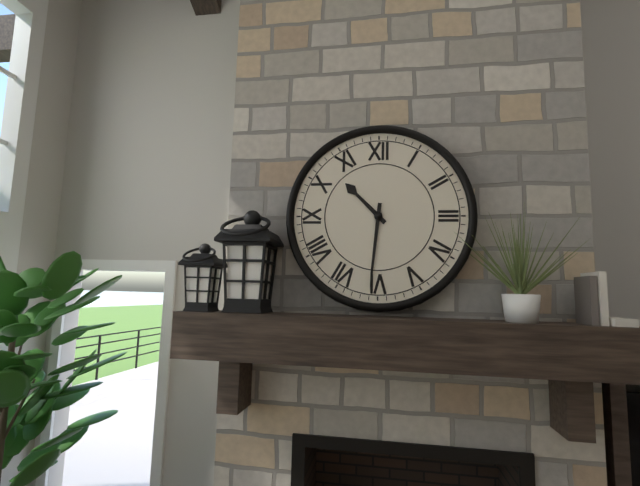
10:31
